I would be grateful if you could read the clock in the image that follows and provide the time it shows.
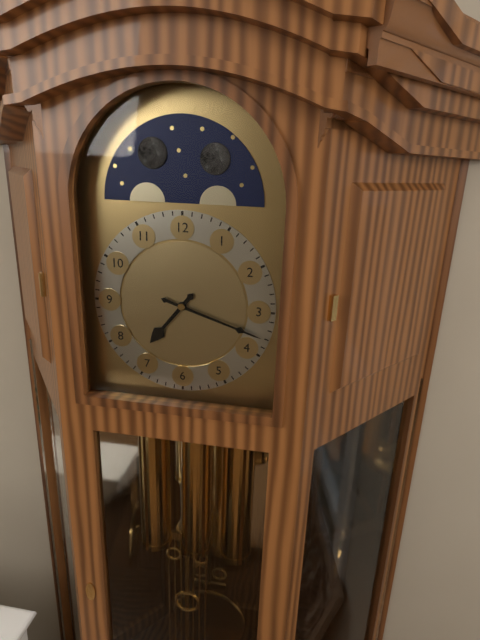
7:18
